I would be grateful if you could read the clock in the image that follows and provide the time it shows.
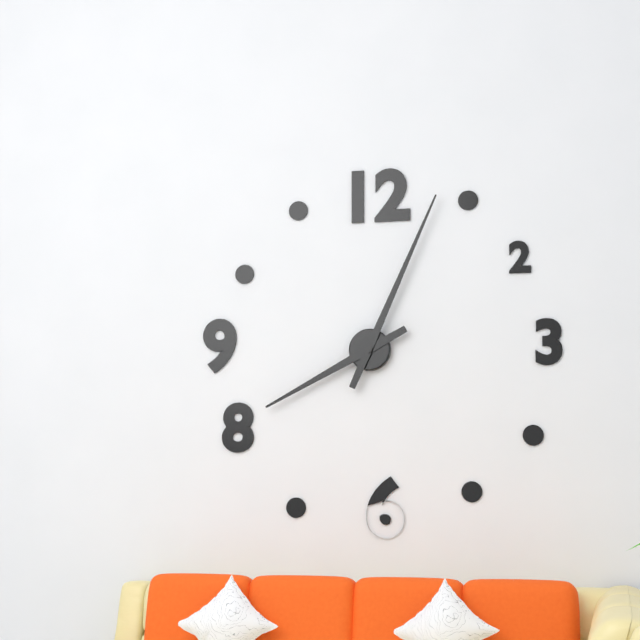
8:04
